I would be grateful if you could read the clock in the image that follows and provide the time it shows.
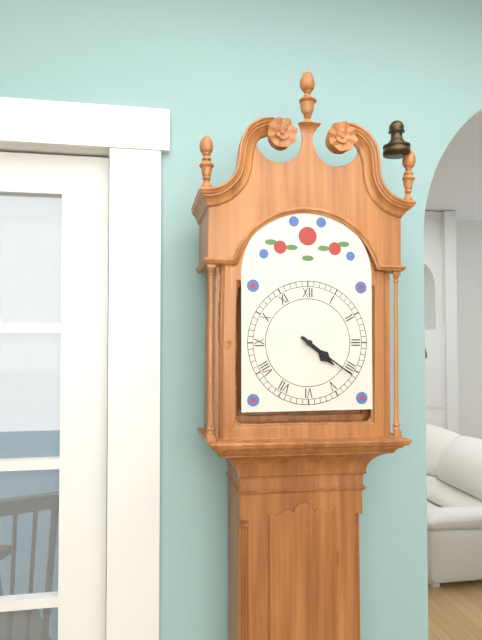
4:21
